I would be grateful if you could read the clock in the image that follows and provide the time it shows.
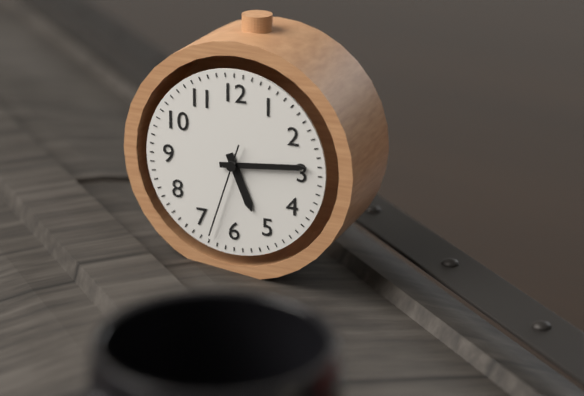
5:14:33
